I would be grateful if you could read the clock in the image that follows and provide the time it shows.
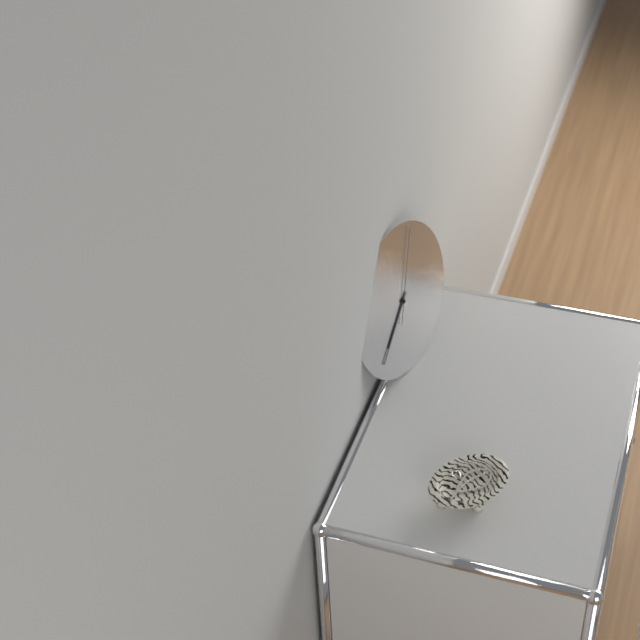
7:38:04
